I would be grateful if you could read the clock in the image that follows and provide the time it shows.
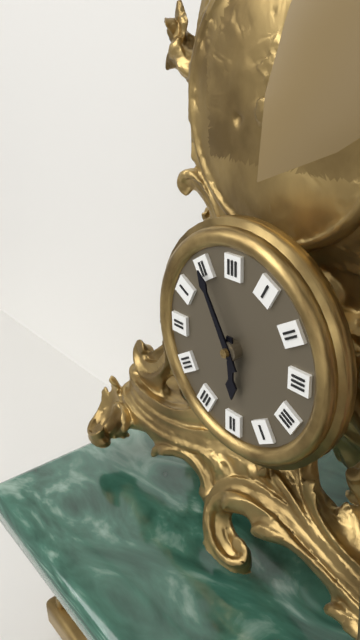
5:55
